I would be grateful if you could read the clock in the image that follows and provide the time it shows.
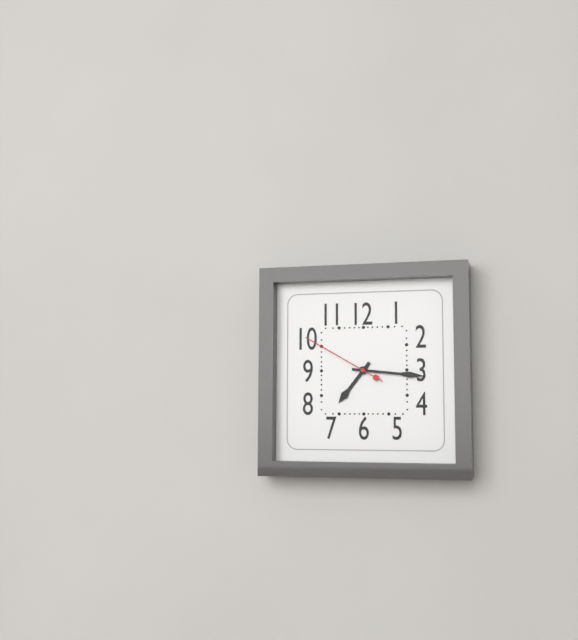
7:16:50
